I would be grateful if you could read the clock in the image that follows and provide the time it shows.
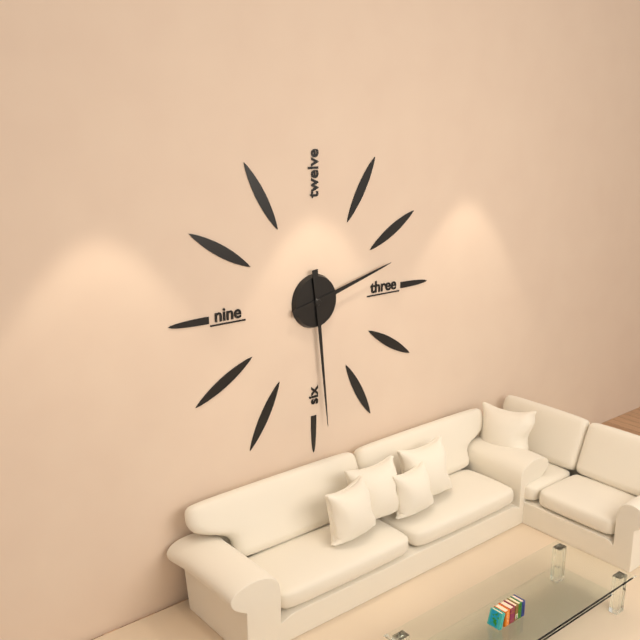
2:29
